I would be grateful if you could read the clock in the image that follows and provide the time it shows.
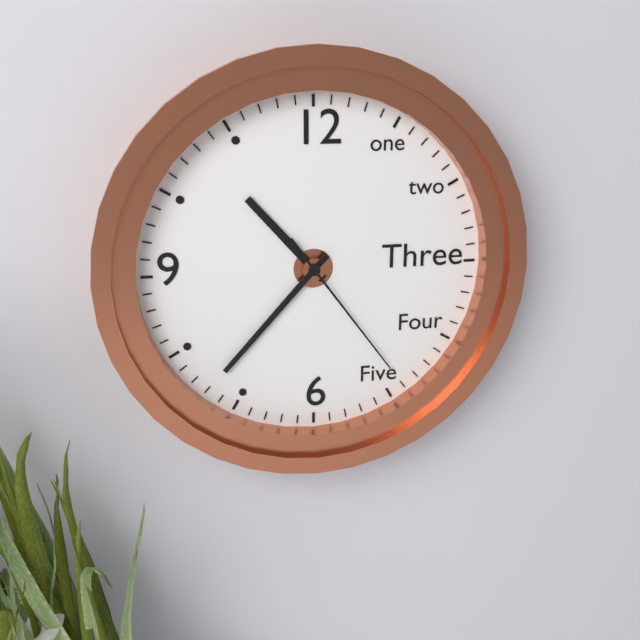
10:37:24
